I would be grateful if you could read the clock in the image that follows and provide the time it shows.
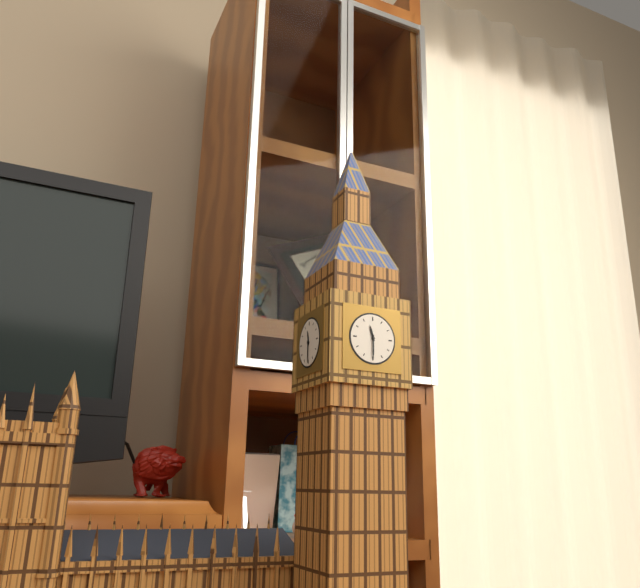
11:30
